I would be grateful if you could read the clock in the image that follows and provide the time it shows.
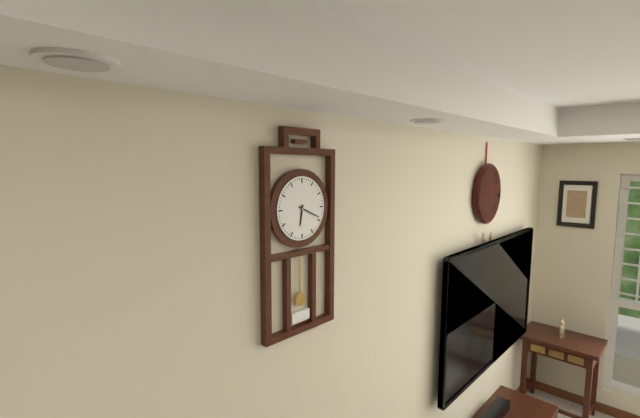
6:19
